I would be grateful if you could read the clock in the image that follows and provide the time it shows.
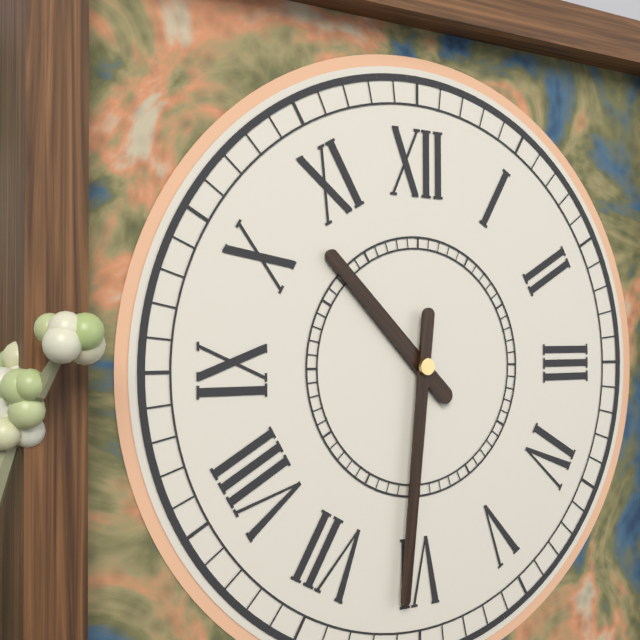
10:31
